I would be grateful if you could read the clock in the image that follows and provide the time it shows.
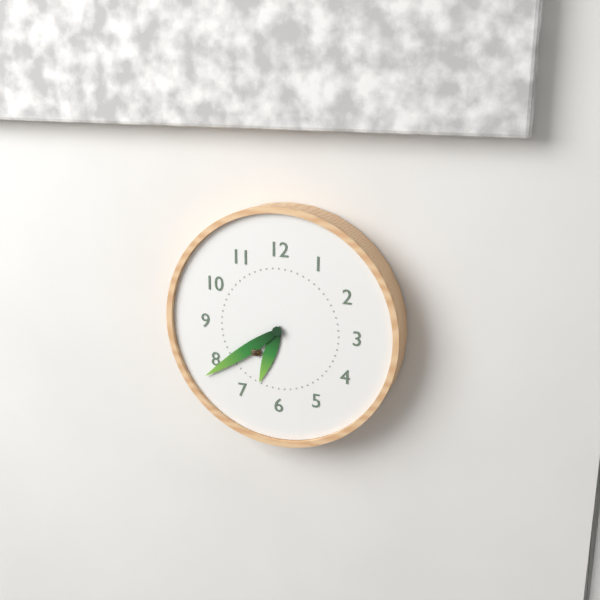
6:39
